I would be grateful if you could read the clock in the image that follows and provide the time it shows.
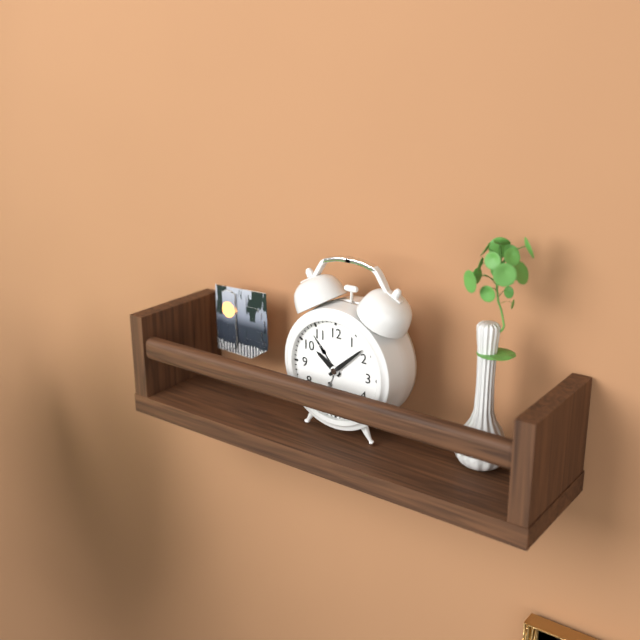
10:08
